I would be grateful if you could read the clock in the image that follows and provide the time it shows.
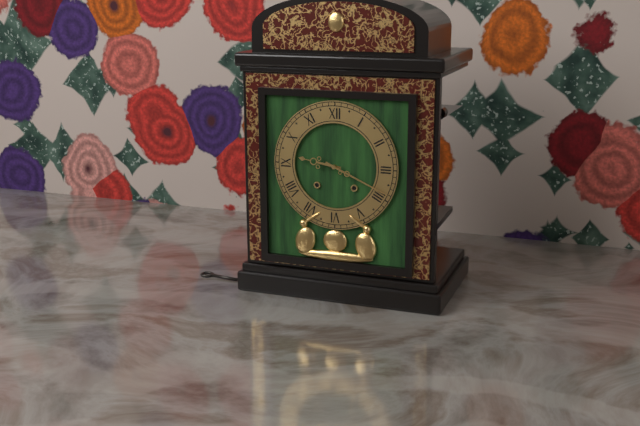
9:19
